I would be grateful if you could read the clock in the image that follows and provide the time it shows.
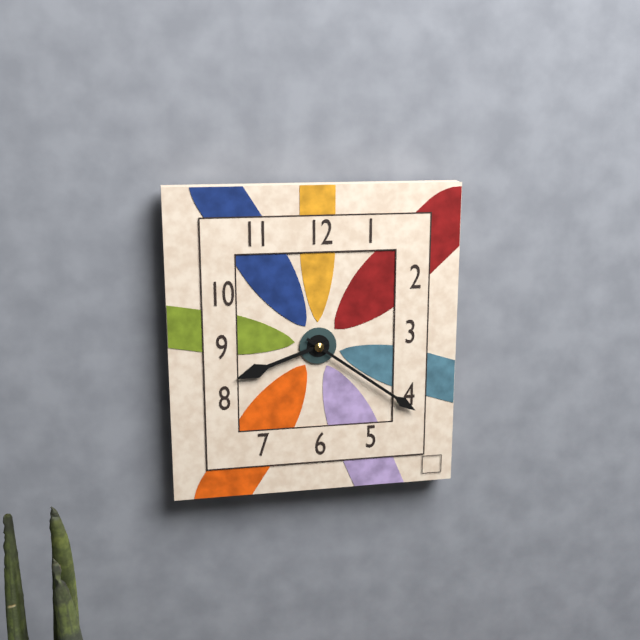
8:21
